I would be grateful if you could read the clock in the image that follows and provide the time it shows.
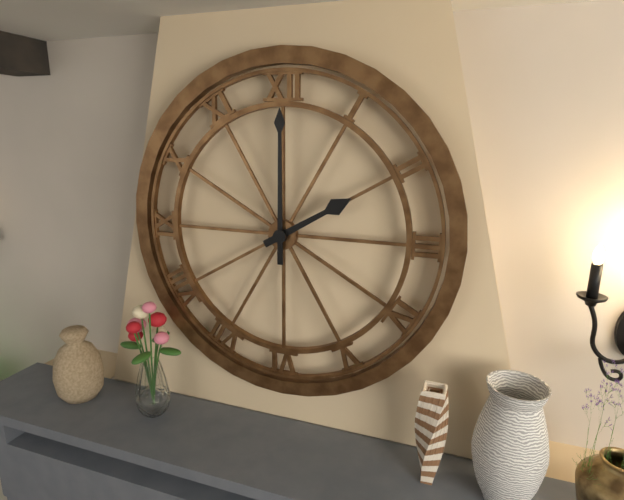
2:00
